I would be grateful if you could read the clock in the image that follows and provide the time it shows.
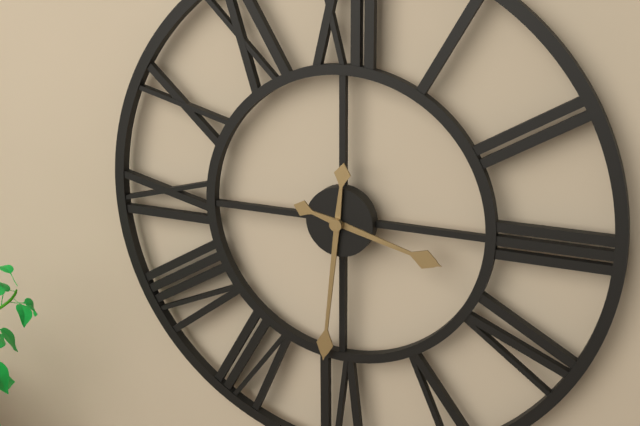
3:31
